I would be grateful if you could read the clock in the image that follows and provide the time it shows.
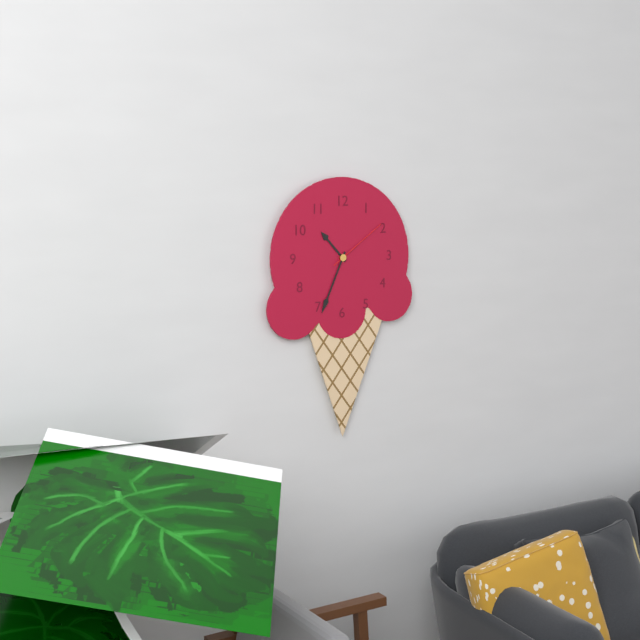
10:34:09
